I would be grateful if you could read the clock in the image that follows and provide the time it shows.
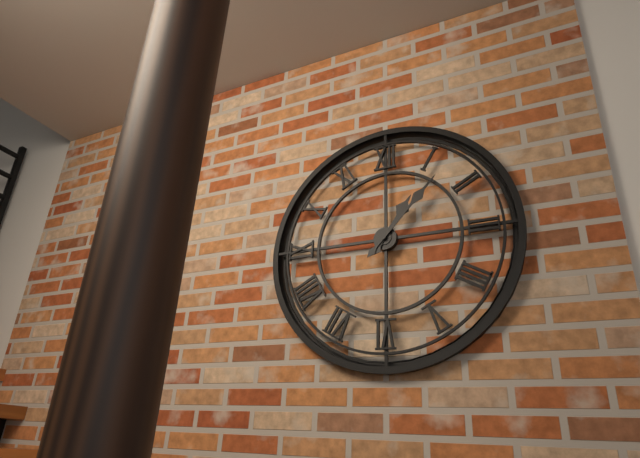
1:07
